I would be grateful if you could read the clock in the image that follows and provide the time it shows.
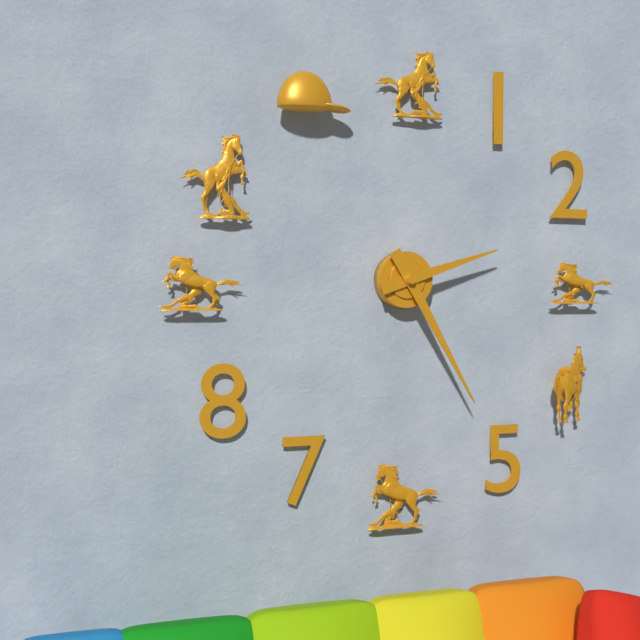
2:25
